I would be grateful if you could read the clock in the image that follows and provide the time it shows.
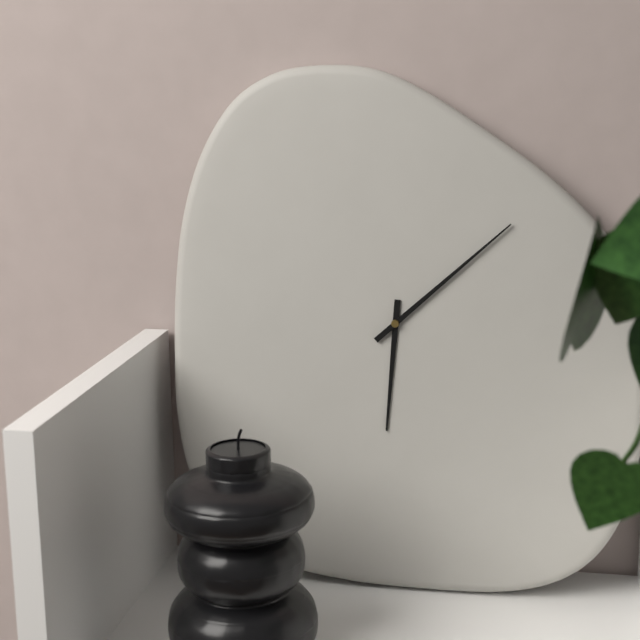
6:08
